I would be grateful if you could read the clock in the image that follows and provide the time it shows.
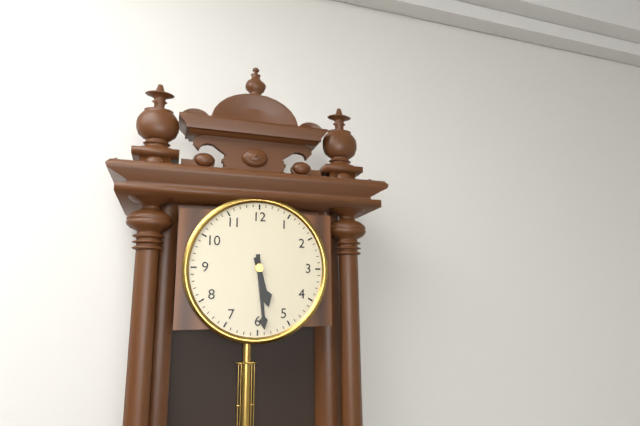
5:29
